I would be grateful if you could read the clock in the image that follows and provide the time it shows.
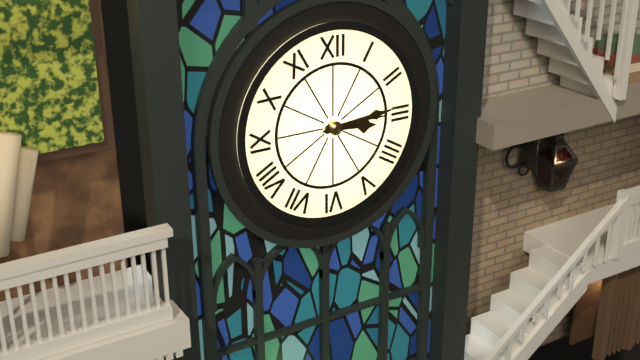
3:14
